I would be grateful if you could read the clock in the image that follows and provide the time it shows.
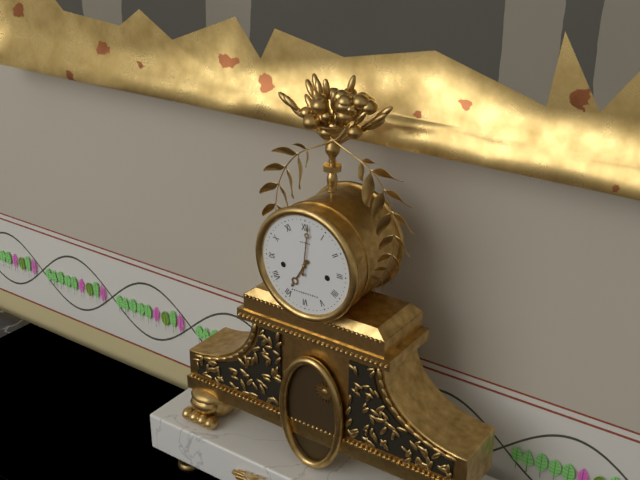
7:01
